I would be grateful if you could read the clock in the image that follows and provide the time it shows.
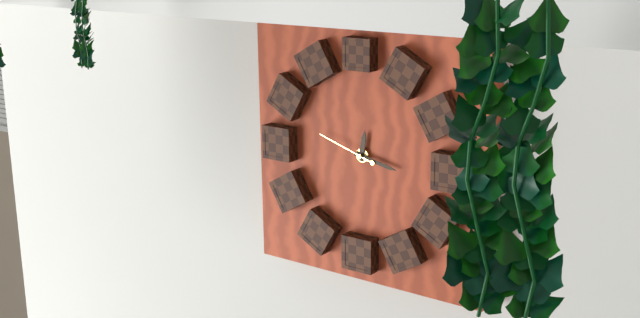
12:17:48
